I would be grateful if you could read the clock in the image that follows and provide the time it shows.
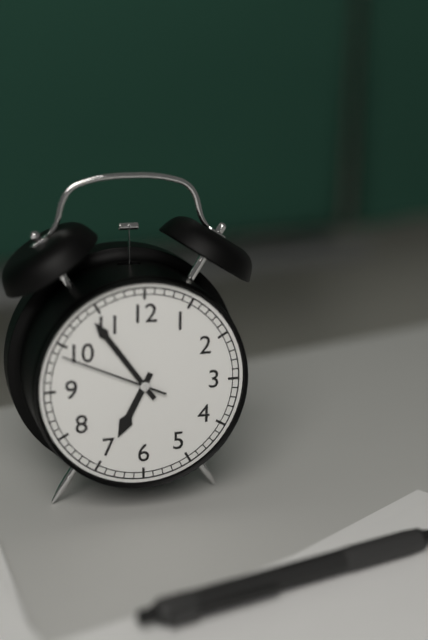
6:54:49
